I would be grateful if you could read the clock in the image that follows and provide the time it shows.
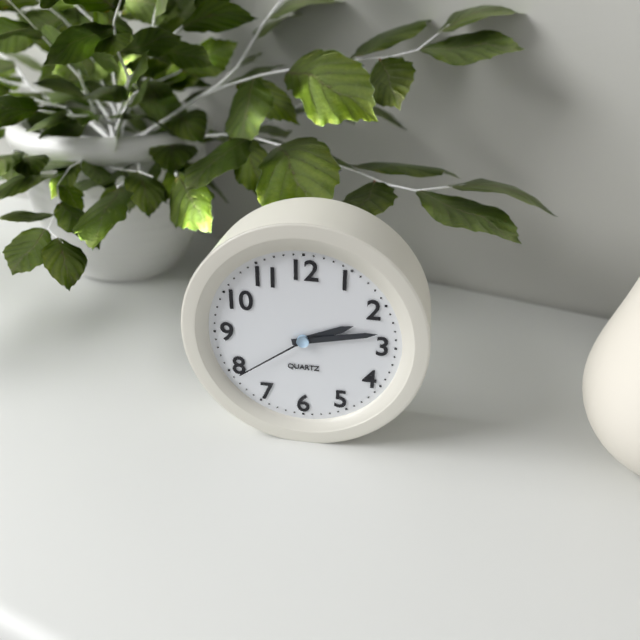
2:13:39
